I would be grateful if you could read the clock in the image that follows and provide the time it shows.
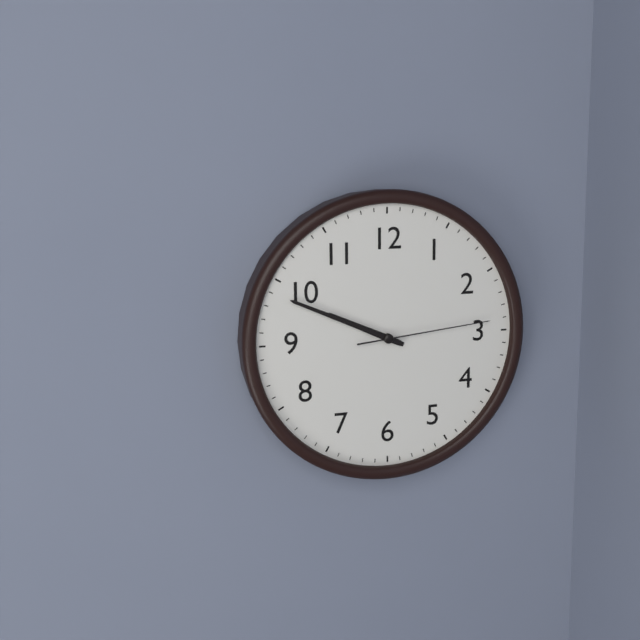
9:49:14
